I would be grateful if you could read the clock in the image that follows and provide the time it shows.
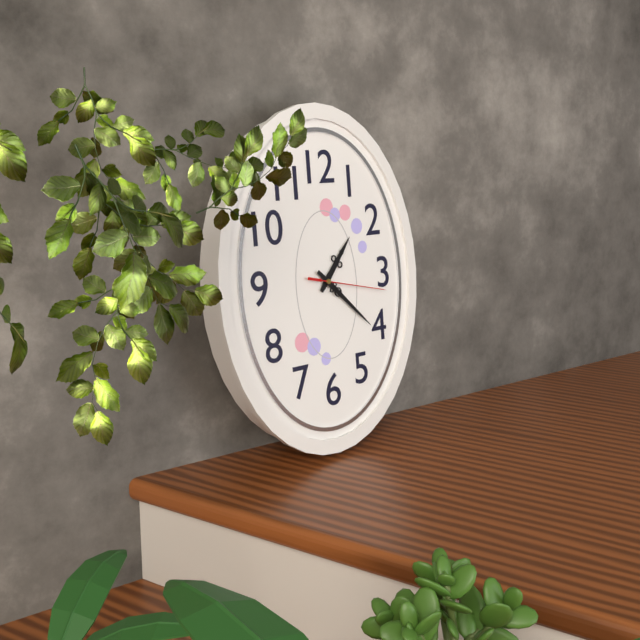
1:22:17
